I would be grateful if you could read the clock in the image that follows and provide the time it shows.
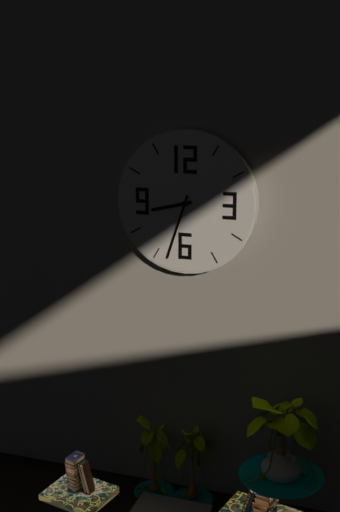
8:33
